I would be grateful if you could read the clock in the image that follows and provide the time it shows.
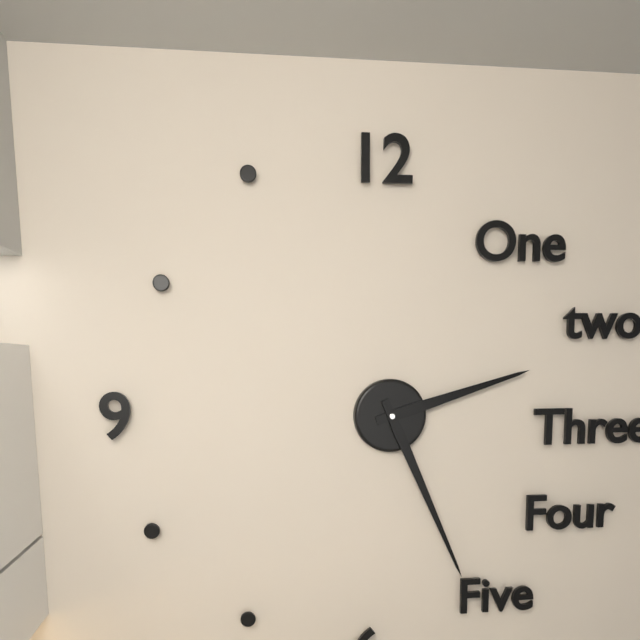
2:26
